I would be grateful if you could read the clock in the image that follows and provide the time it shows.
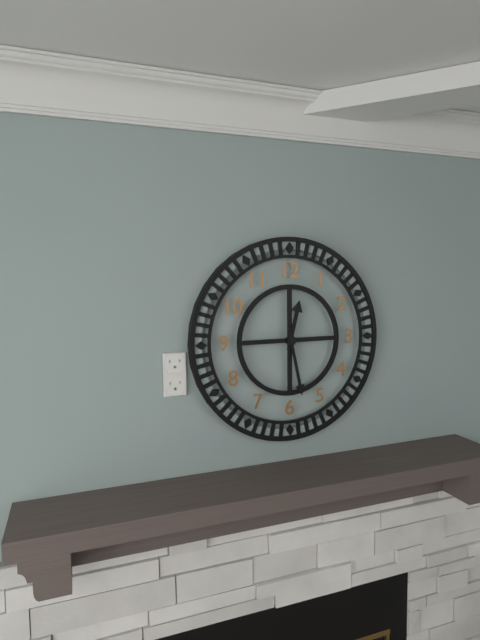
12:28
